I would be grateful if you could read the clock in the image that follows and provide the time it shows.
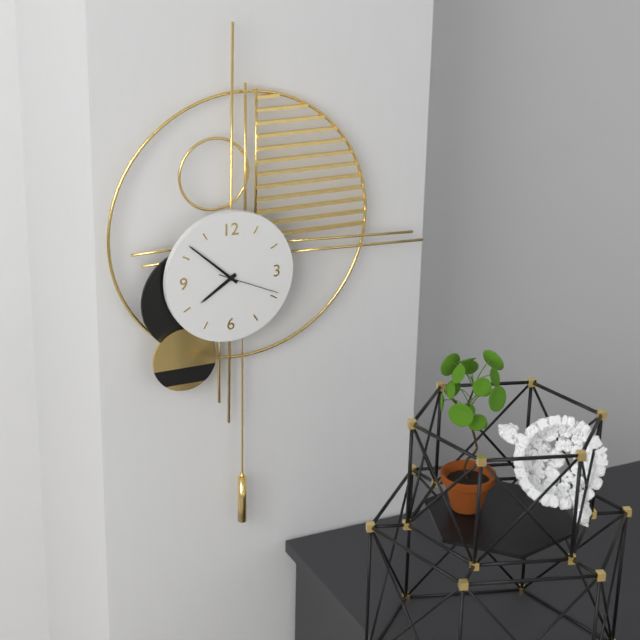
7:52:19
